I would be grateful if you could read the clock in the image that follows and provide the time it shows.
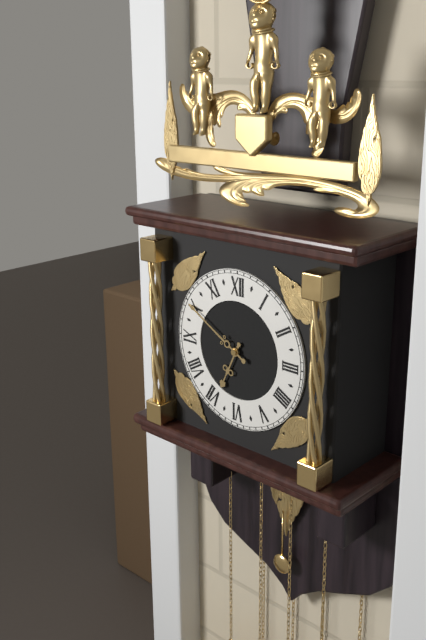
6:50
